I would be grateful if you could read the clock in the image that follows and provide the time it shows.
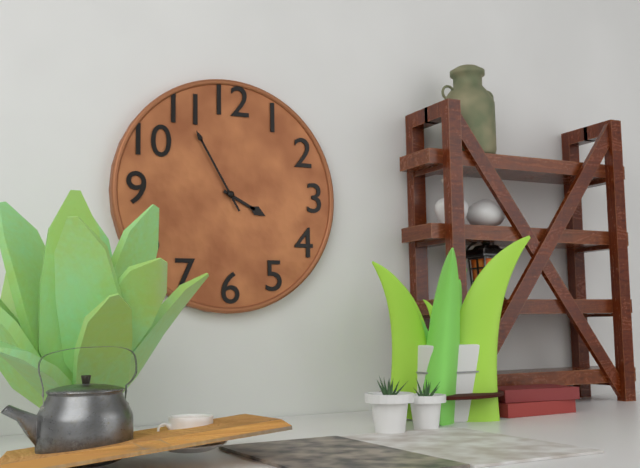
3:55
